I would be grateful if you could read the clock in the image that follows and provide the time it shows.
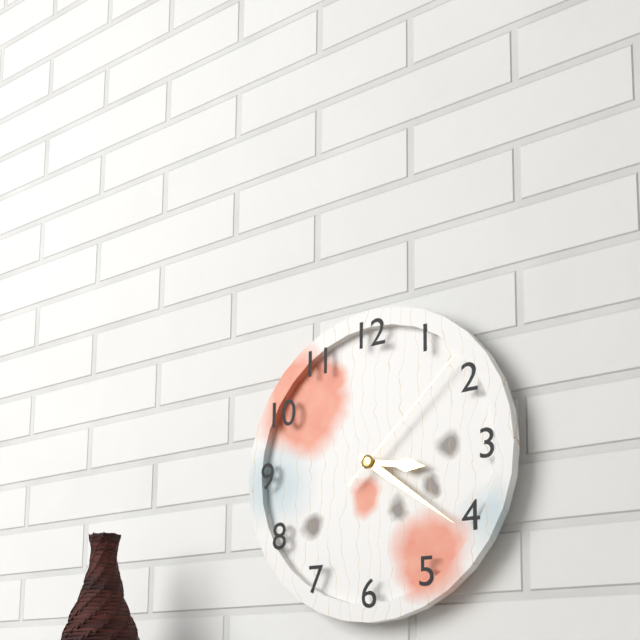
3:21:08
